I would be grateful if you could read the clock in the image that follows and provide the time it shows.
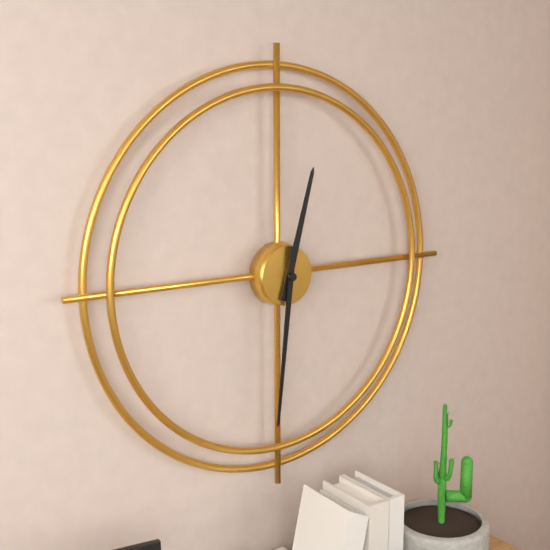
12:31
